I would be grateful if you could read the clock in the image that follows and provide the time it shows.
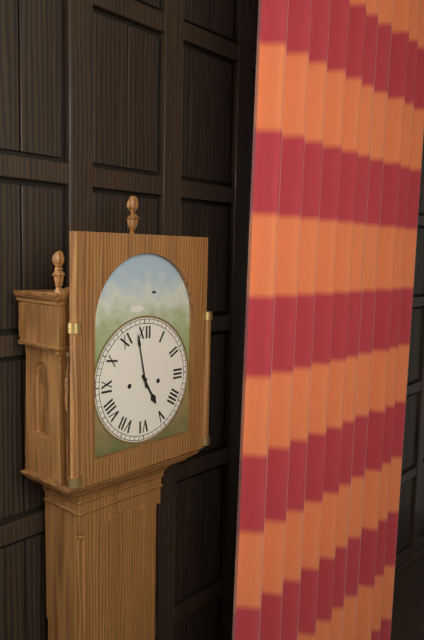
4:58
